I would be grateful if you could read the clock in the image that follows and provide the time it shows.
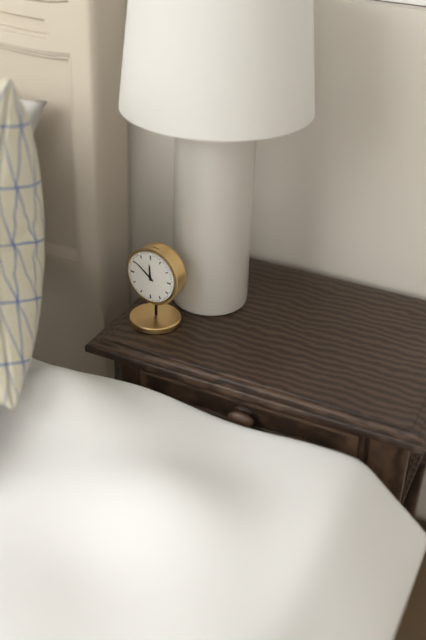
11:51
